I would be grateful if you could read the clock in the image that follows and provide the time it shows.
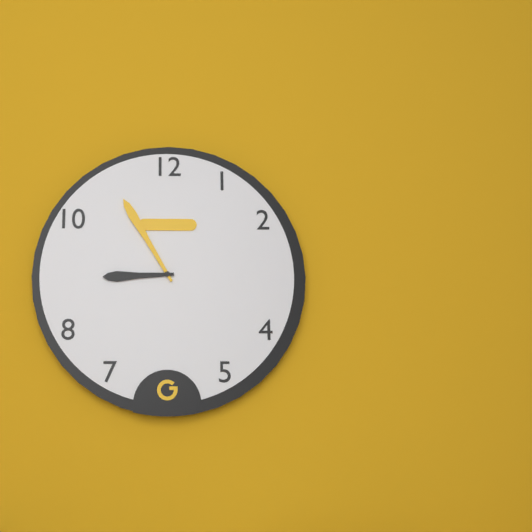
8:55
